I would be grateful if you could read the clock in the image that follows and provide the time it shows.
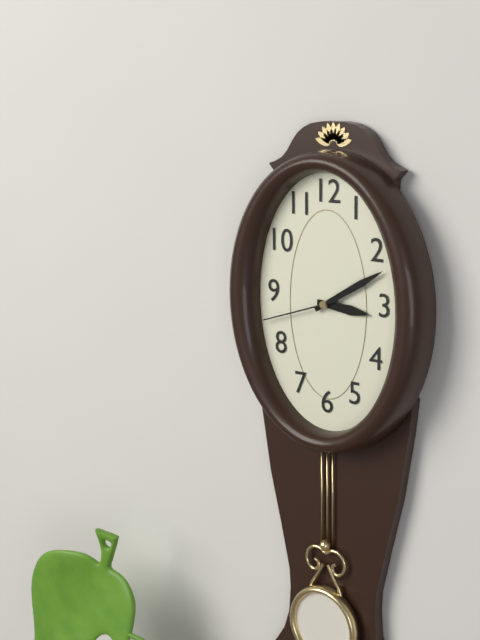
3:10:42
